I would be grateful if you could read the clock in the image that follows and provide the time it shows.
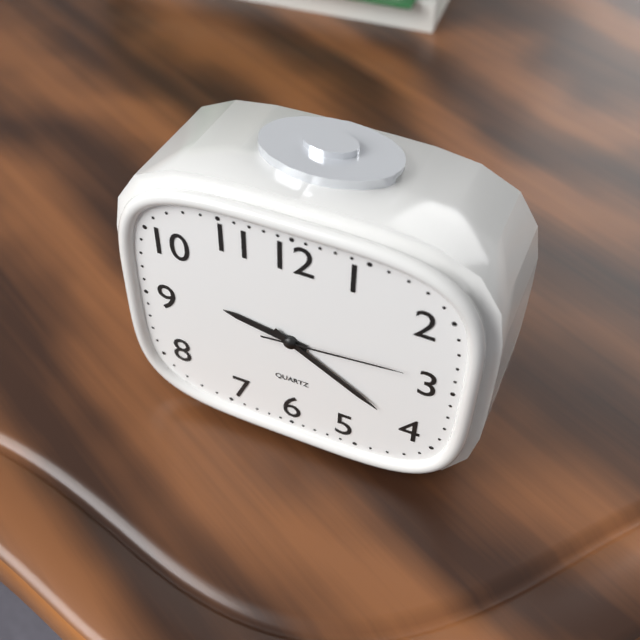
9:20:14
